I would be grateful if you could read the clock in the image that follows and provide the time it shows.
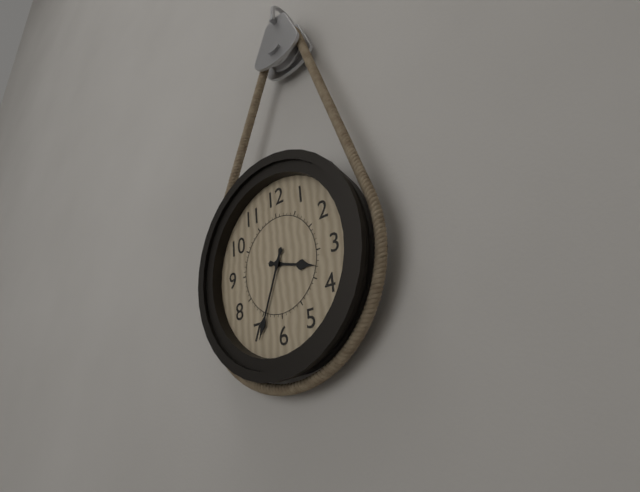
3:34
